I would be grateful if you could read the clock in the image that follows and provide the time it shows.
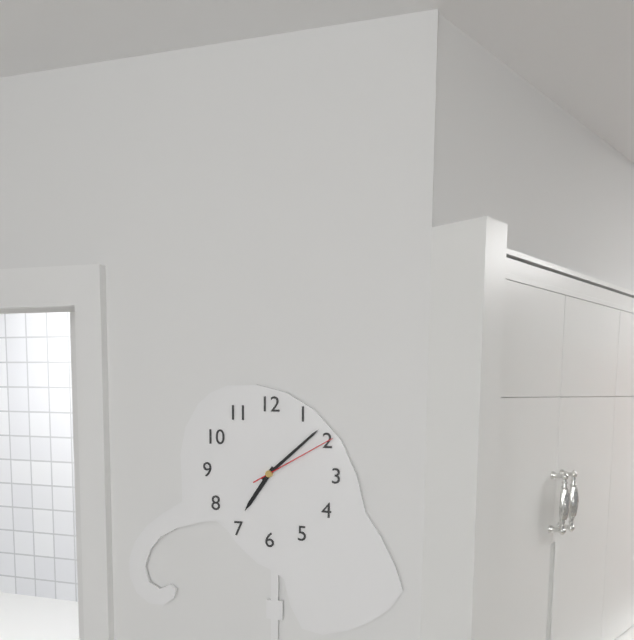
7:08:10
